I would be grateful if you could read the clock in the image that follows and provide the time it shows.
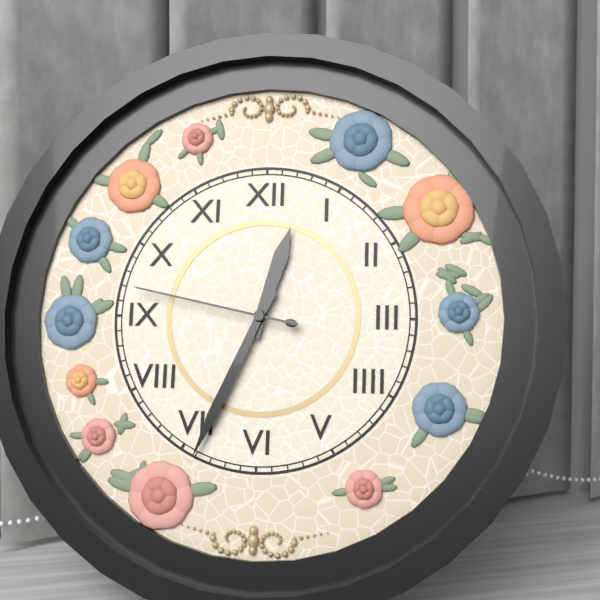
12:34:47
